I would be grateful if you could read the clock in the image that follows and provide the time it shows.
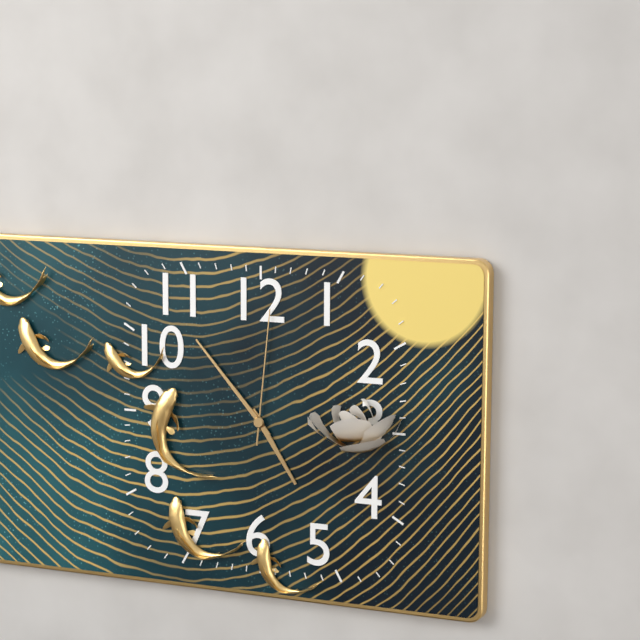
4:53:01
